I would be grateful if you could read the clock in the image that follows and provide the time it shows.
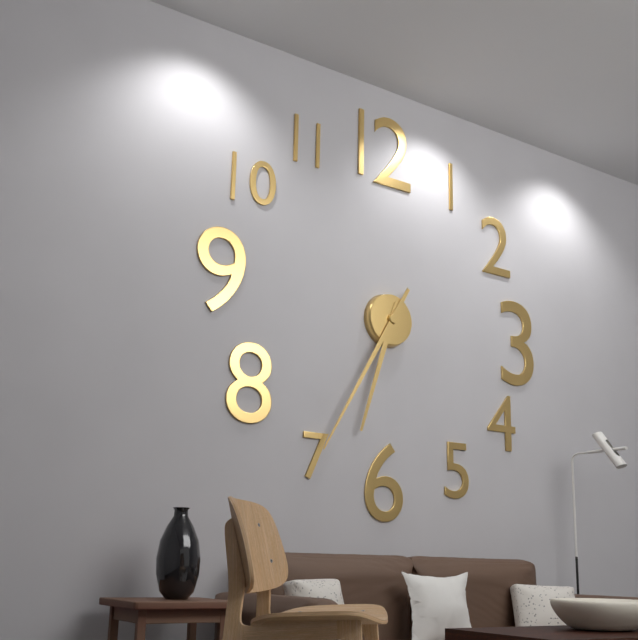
6:35
